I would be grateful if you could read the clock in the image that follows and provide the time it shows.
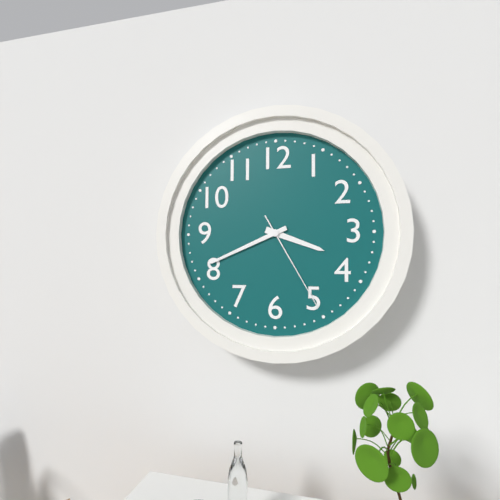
3:41:25
